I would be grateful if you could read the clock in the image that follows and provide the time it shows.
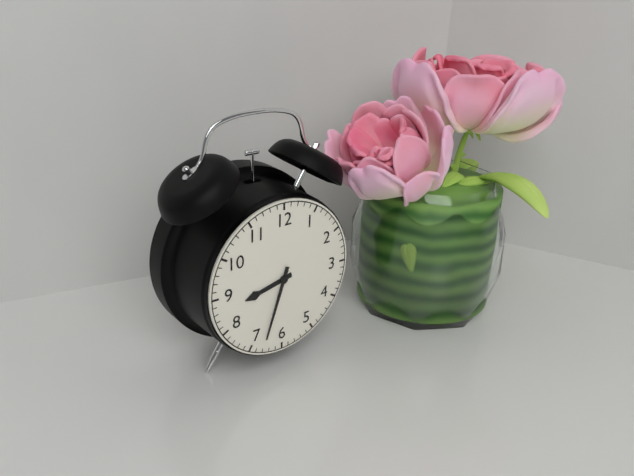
8:33
